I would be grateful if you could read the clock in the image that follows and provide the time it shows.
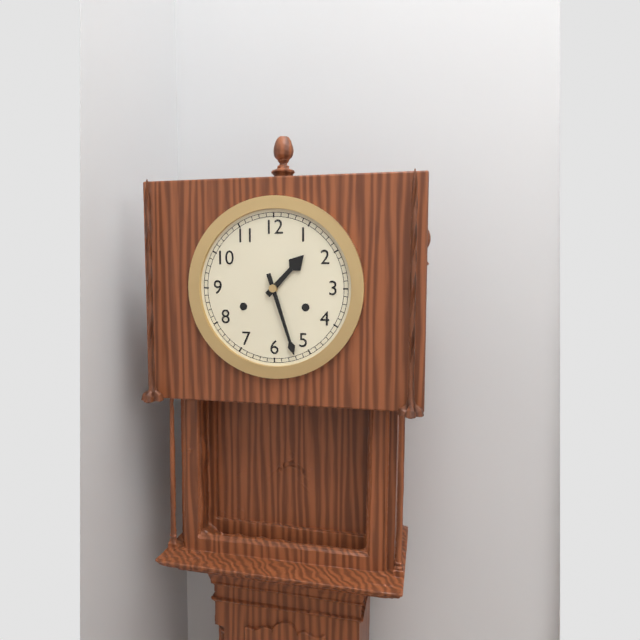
1:27
